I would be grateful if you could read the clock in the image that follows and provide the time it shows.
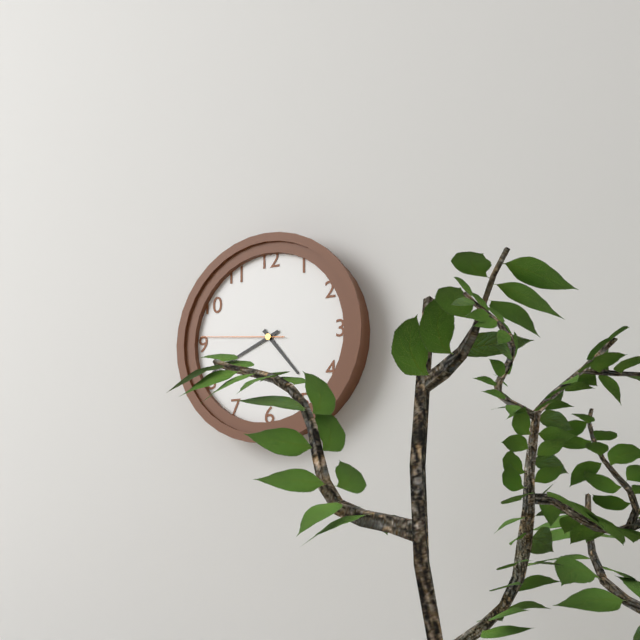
4:41:46
